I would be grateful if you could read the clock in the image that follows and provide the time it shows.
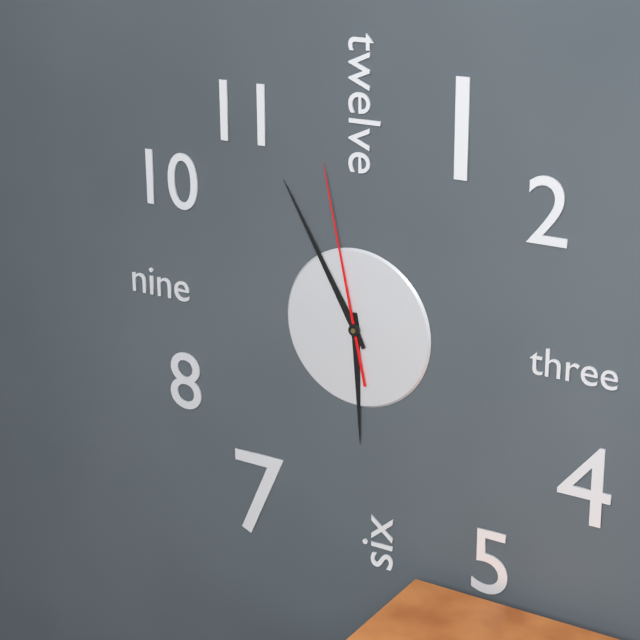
5:55:58
